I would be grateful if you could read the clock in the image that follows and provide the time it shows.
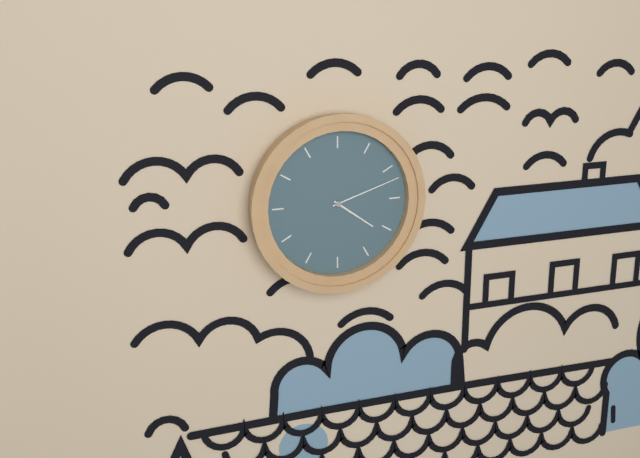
4:12
